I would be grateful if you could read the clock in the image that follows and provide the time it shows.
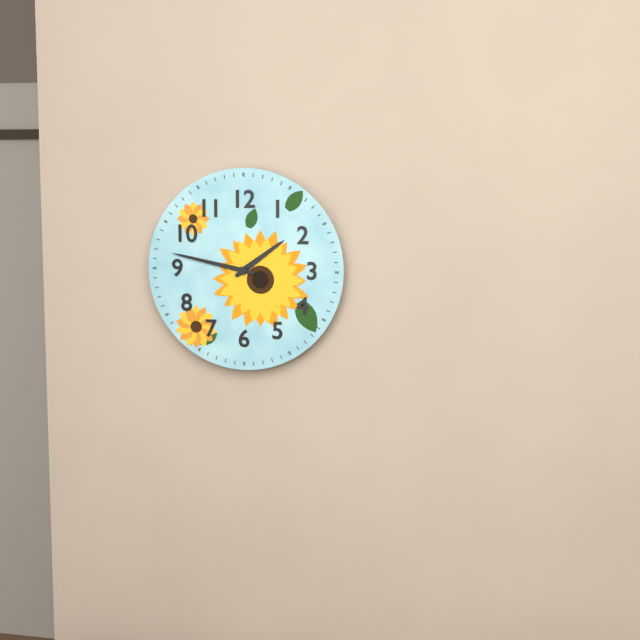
1:47
